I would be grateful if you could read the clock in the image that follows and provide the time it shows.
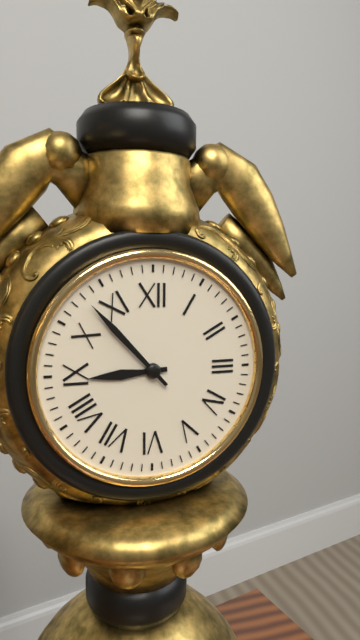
8:53
